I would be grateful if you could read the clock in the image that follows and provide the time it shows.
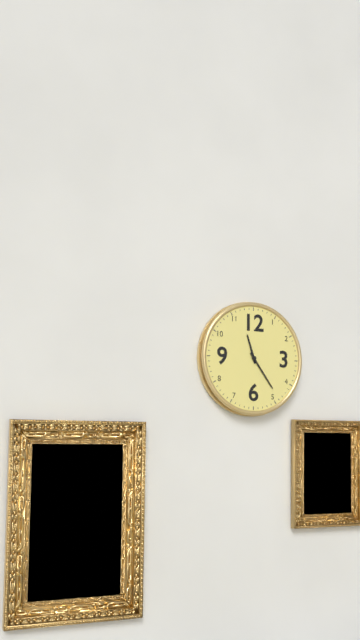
11:24
